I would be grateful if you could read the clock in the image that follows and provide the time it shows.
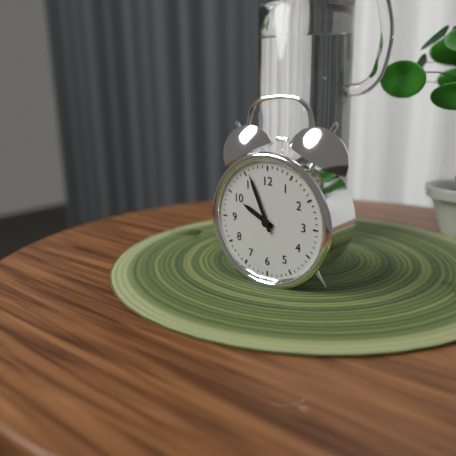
9:56
